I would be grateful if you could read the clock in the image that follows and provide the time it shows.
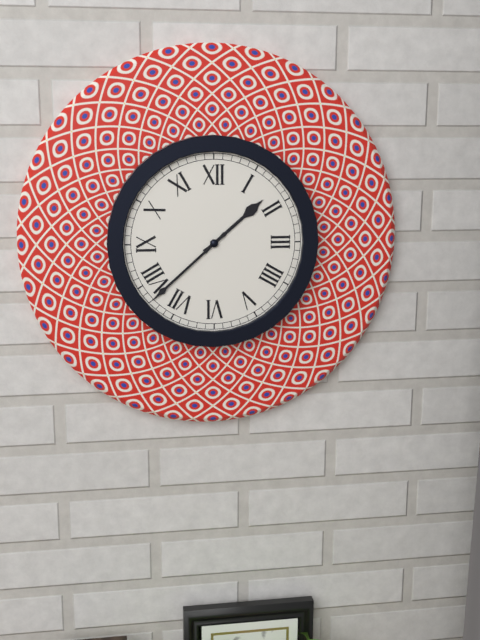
1:38
